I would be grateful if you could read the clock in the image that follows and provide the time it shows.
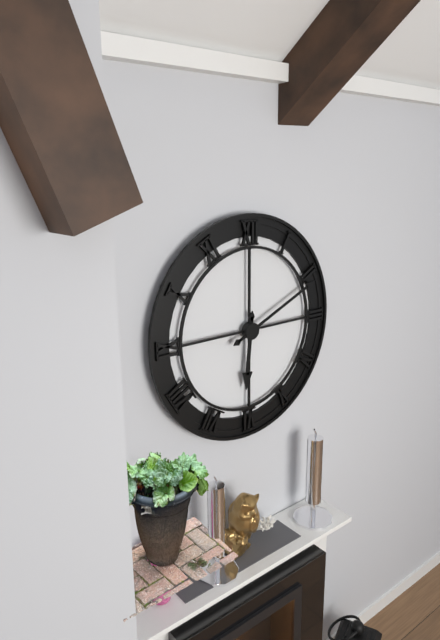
6:11
